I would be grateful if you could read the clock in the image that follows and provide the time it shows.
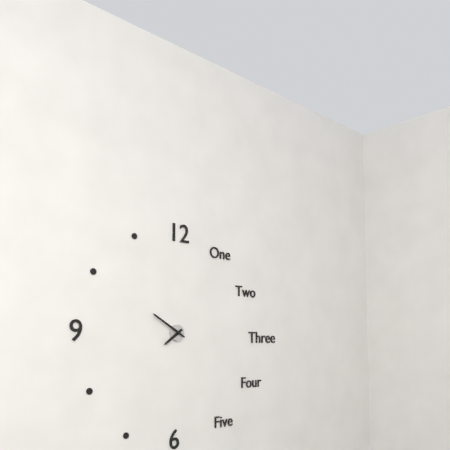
7:50
